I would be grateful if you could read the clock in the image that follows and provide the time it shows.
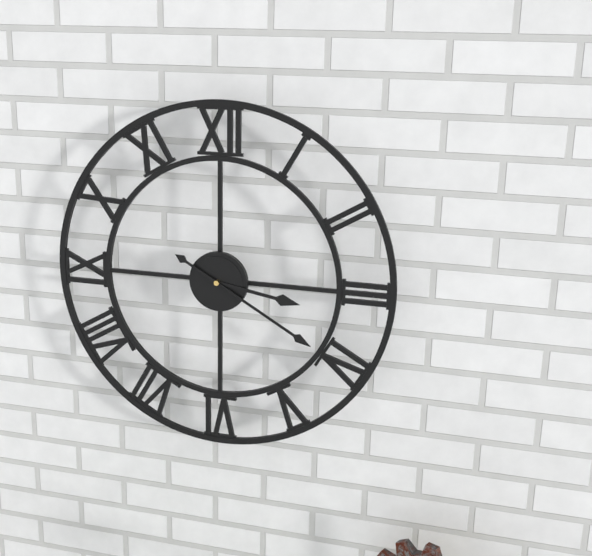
3:20
